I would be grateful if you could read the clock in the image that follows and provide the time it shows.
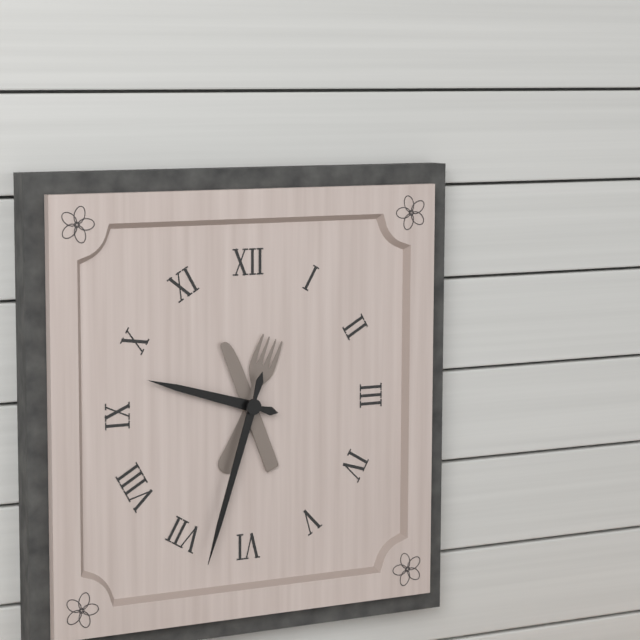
9:33
